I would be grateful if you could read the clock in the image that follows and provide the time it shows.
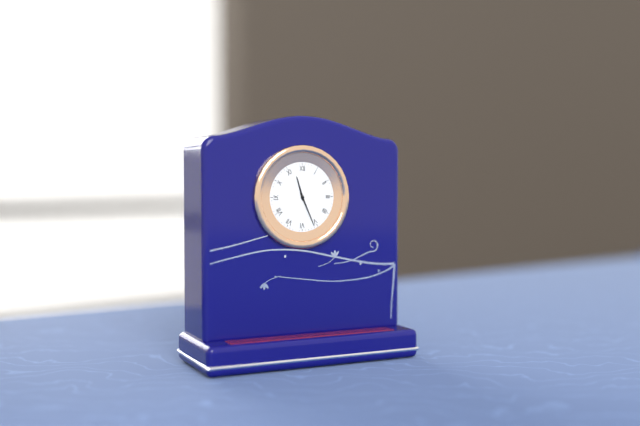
11:26
